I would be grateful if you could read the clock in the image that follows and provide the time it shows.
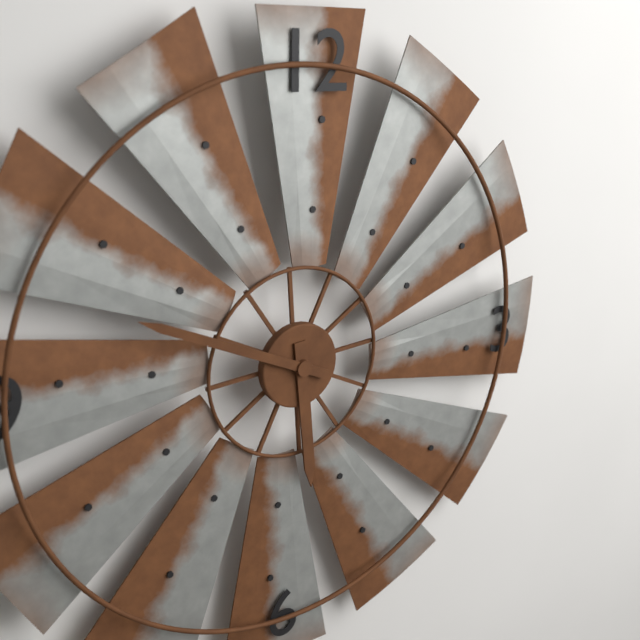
5:49
